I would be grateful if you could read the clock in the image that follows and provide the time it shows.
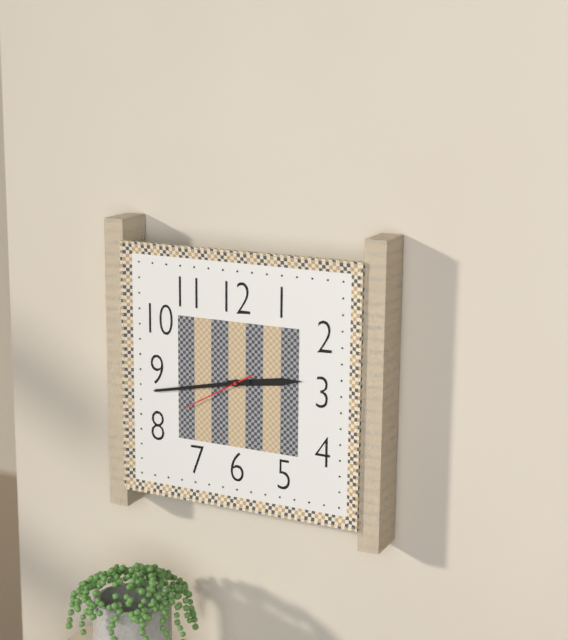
2:43:40
